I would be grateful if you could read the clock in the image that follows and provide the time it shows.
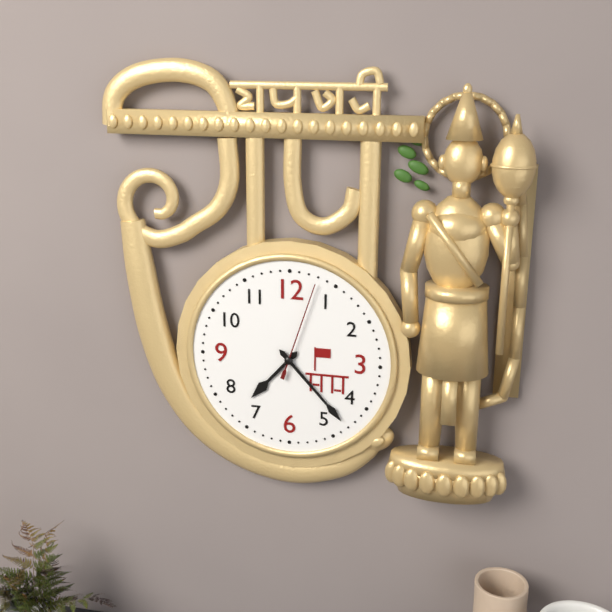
7:23:03
